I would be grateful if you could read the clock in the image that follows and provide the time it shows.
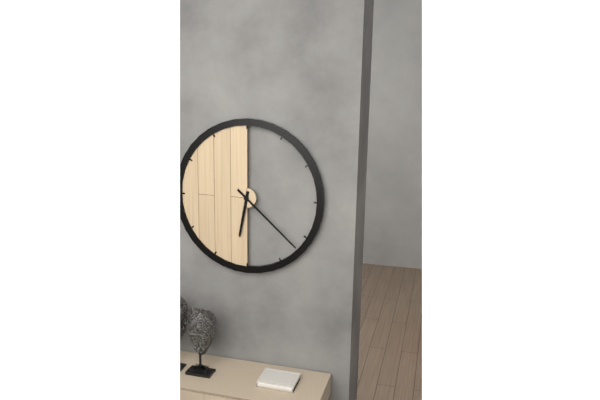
6:22
